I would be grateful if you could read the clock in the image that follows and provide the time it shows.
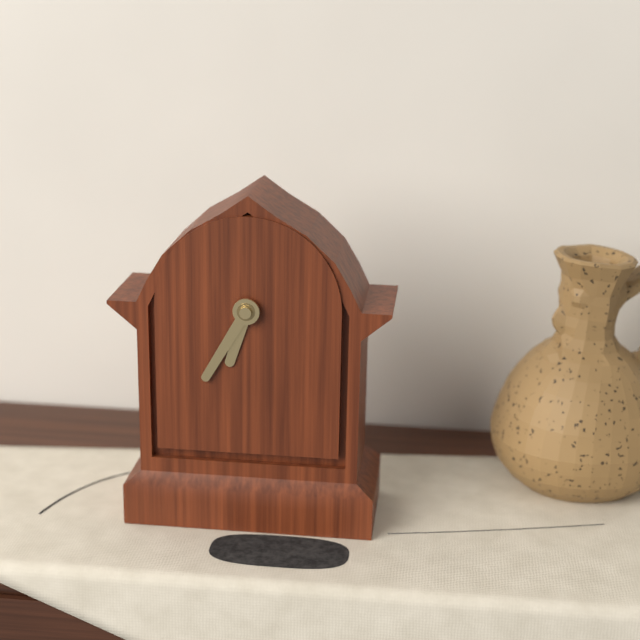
6:35
